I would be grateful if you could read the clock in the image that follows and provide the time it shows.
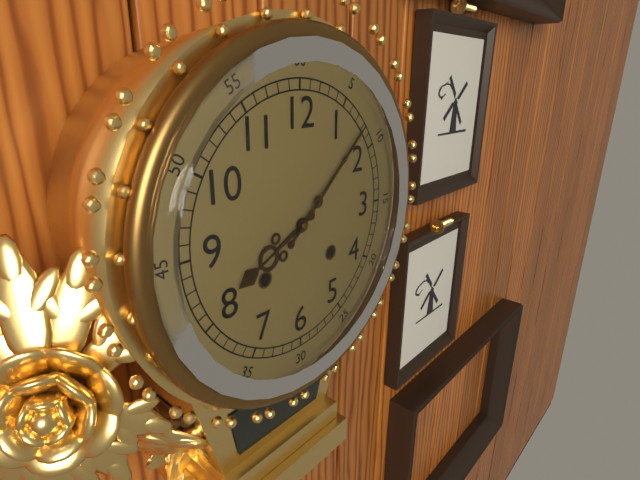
8:08
